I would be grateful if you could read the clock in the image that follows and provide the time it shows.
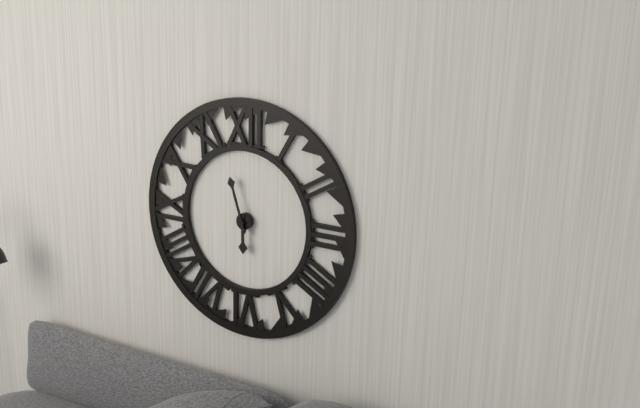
5:57
